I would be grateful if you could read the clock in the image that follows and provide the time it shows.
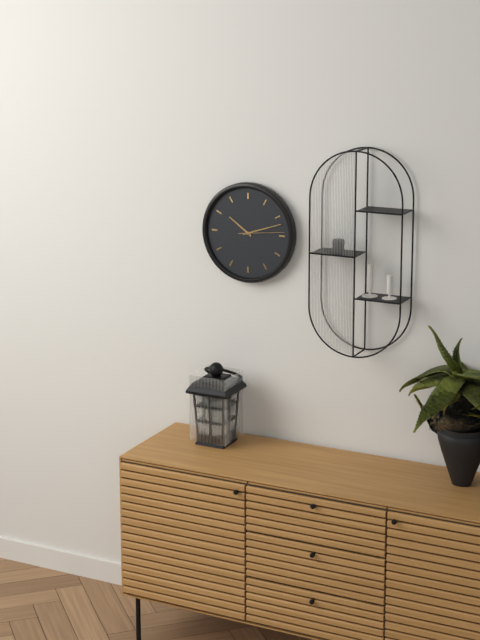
10:12
